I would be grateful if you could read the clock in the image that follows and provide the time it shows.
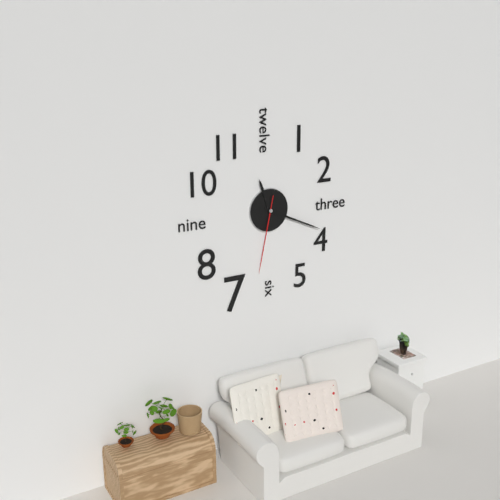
11:19:32
